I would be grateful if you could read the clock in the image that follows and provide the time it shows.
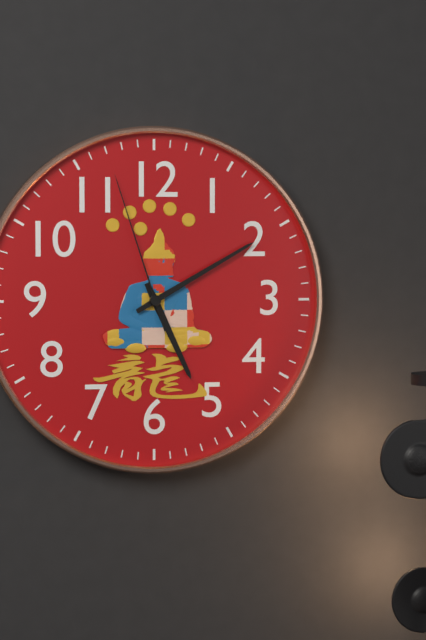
5:10:57
